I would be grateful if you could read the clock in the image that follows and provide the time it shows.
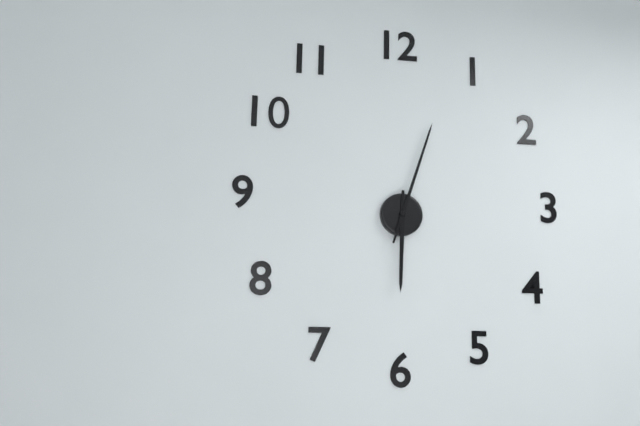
6:03
